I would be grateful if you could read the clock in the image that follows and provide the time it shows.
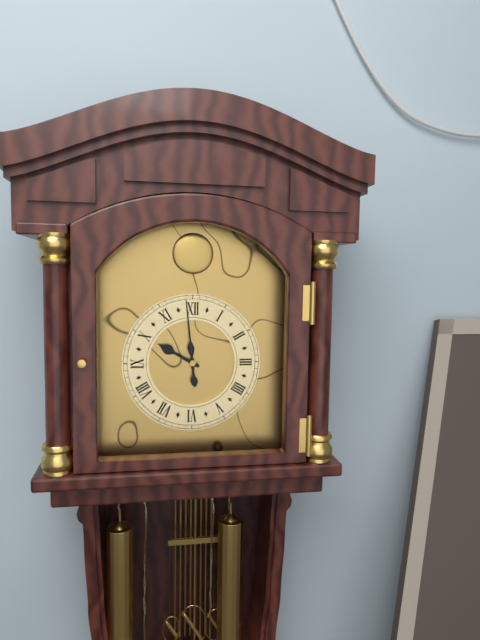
9:59
